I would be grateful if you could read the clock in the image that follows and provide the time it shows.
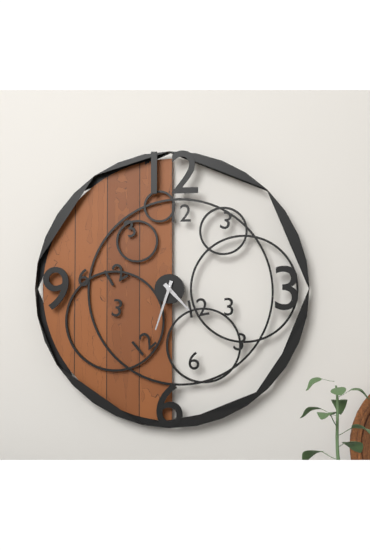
4:33
